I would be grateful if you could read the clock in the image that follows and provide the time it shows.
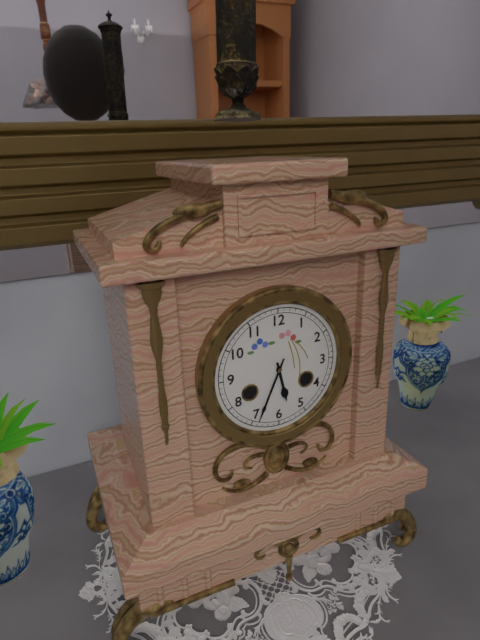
5:34
